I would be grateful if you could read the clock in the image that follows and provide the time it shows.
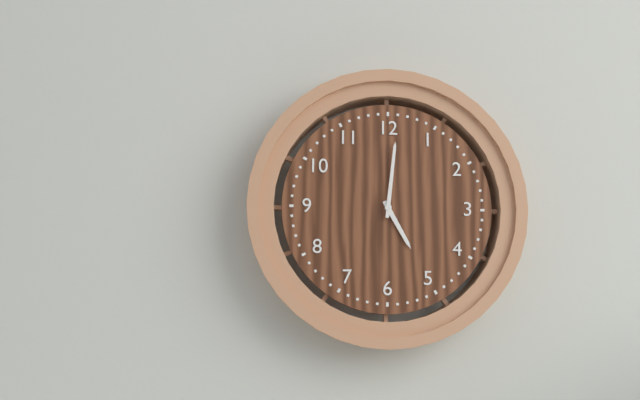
5:01
